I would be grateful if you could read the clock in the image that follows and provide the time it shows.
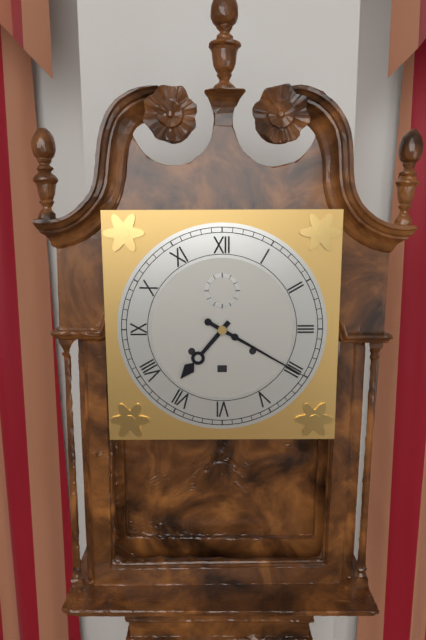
7:20
